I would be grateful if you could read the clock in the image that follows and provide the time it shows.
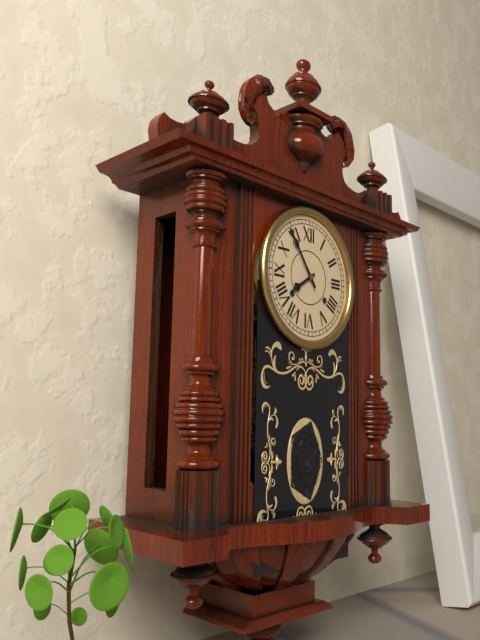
7:54
